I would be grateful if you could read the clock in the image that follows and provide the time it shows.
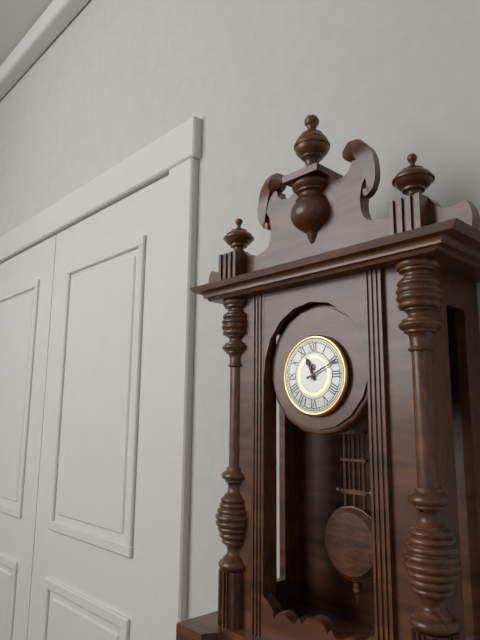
11:11
